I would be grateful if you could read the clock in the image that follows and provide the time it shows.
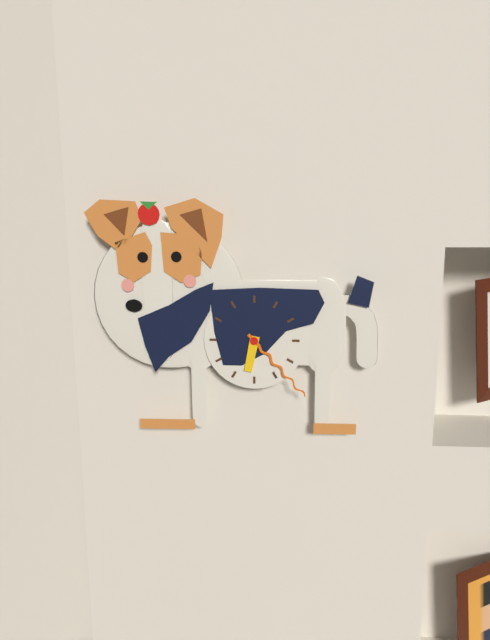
6:23
